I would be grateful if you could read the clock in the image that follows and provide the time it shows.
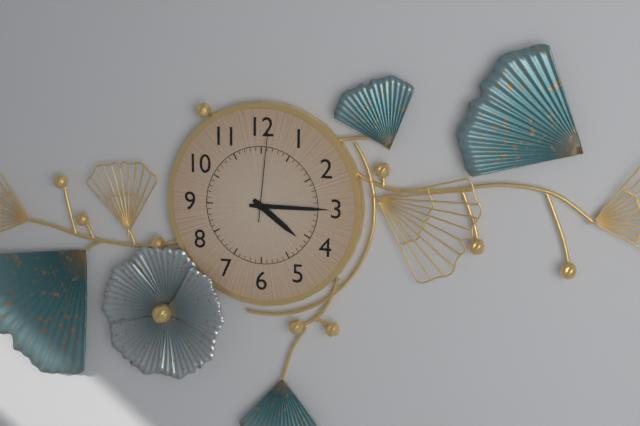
4:15:01
